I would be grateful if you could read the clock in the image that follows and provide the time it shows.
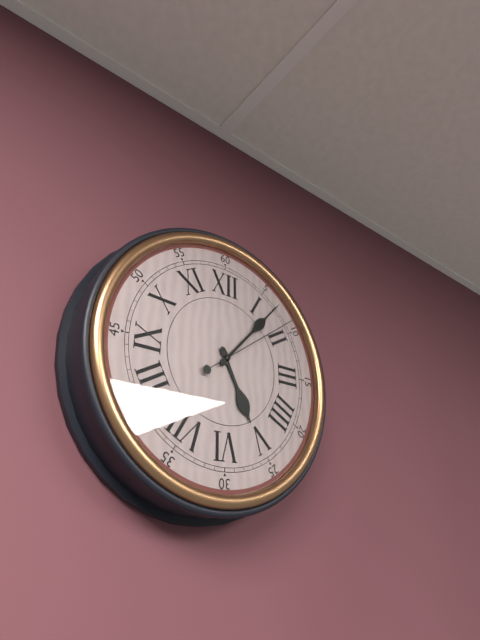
5:07:09
